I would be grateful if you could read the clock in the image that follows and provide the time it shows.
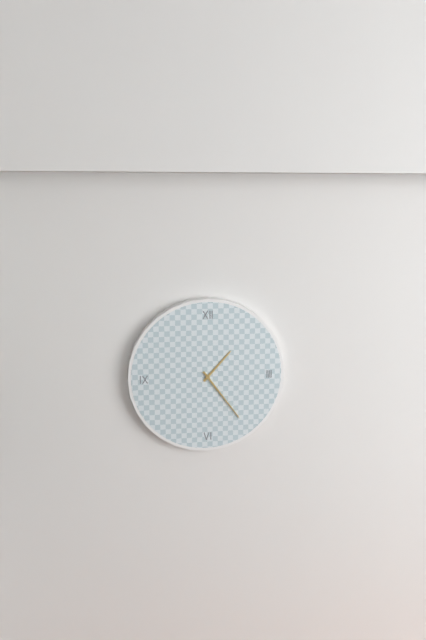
1:24
